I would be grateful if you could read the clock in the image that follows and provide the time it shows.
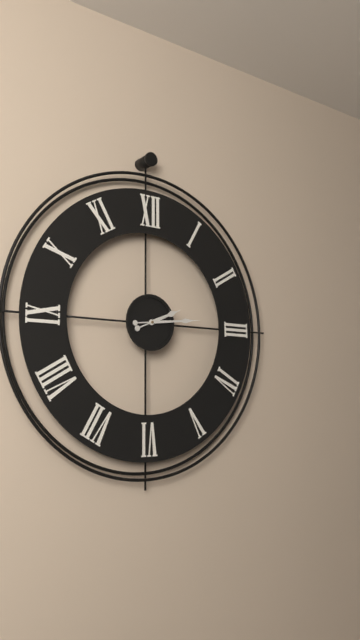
2:14
